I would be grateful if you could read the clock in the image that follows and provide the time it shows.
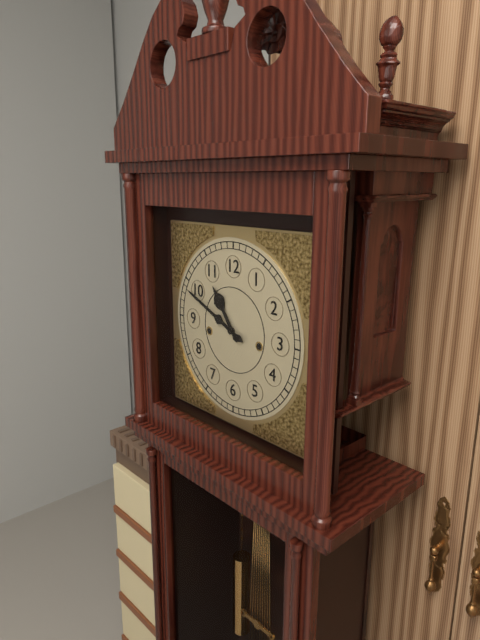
10:49
